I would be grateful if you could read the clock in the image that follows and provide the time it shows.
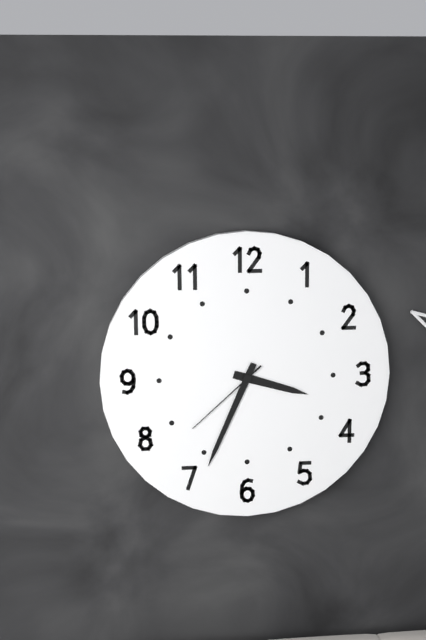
3:34:38
